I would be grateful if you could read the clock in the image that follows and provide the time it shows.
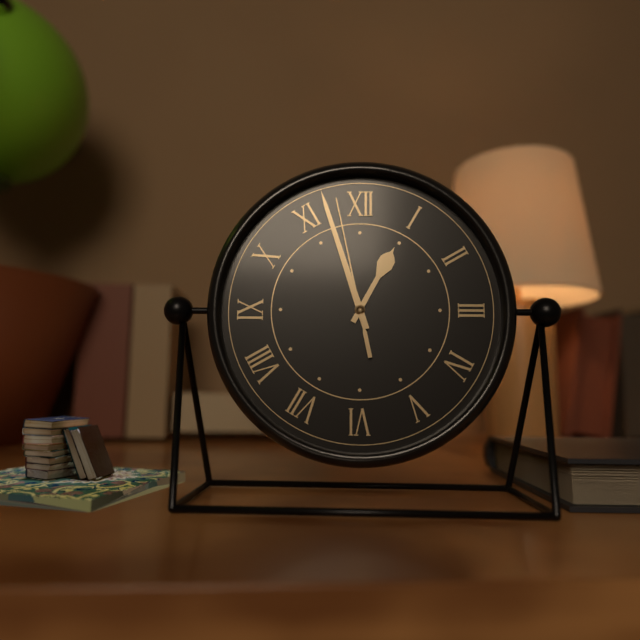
12:57:58
